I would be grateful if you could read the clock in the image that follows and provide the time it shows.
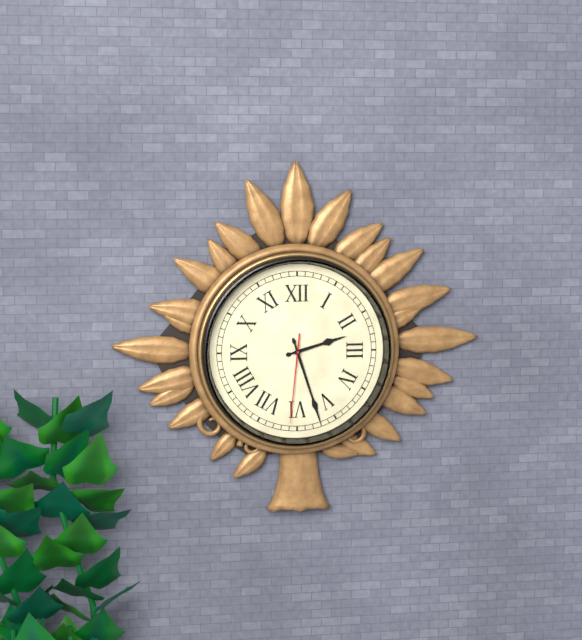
2:27:31
